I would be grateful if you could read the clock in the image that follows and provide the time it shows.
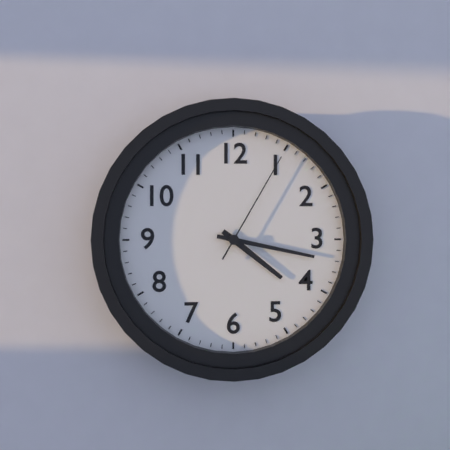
4:17:05
